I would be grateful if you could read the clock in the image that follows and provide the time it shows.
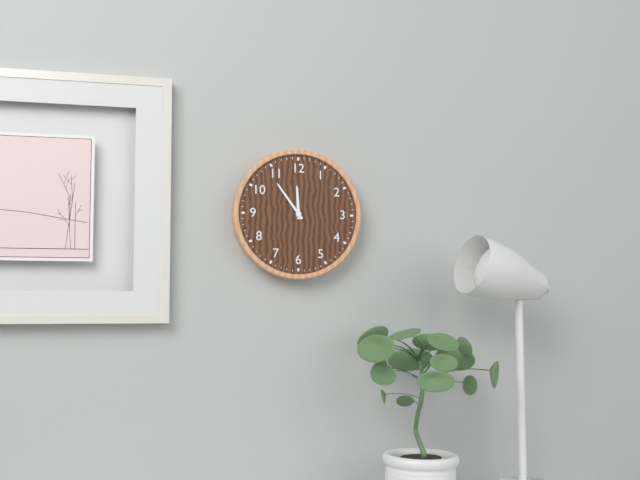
11:54
